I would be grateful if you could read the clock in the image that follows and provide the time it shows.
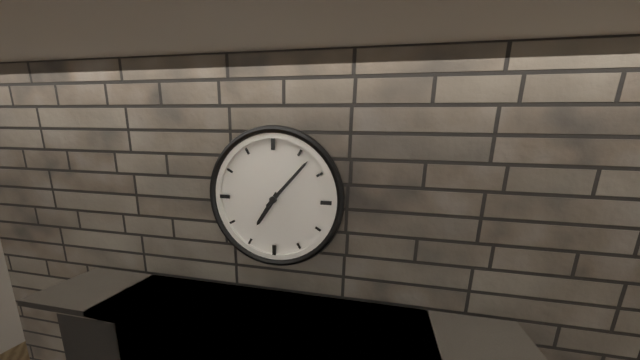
7:07
